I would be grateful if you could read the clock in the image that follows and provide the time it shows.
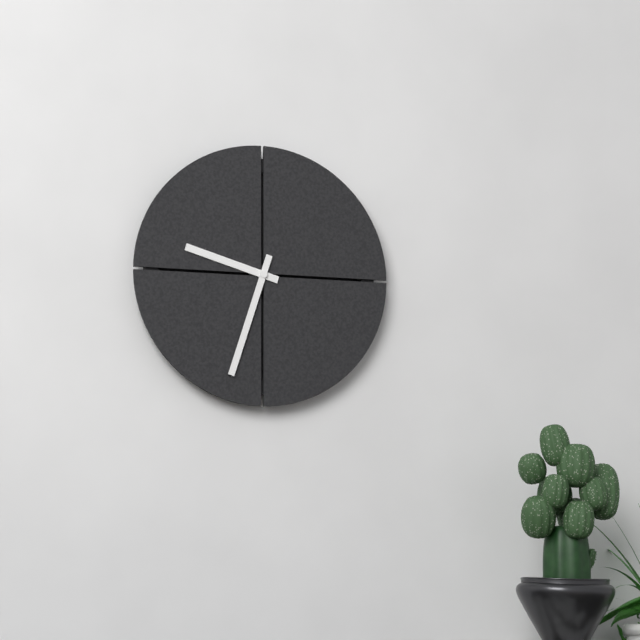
9:33
